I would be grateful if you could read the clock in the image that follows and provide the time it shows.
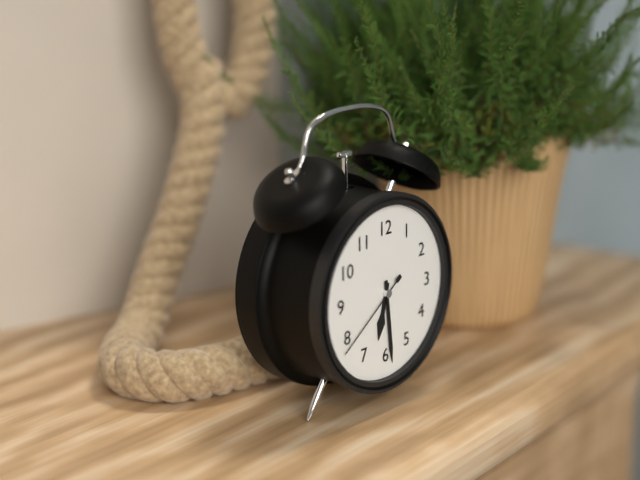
6:29:39
